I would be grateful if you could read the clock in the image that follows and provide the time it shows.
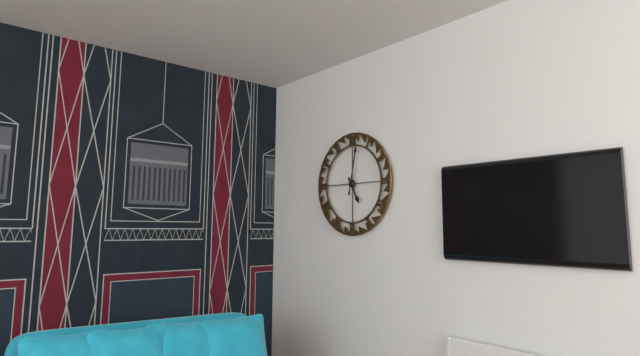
5:02
